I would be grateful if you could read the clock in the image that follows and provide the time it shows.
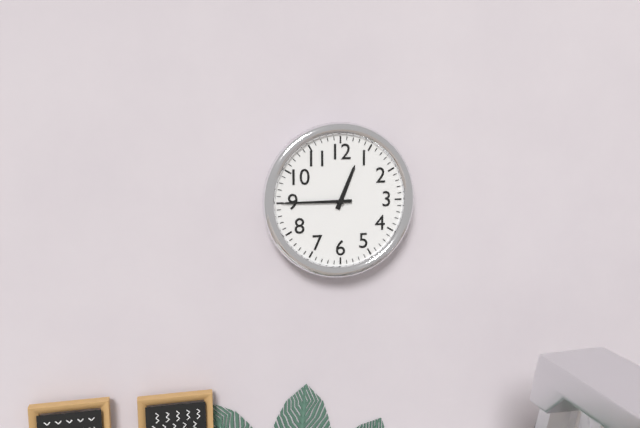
12:45
